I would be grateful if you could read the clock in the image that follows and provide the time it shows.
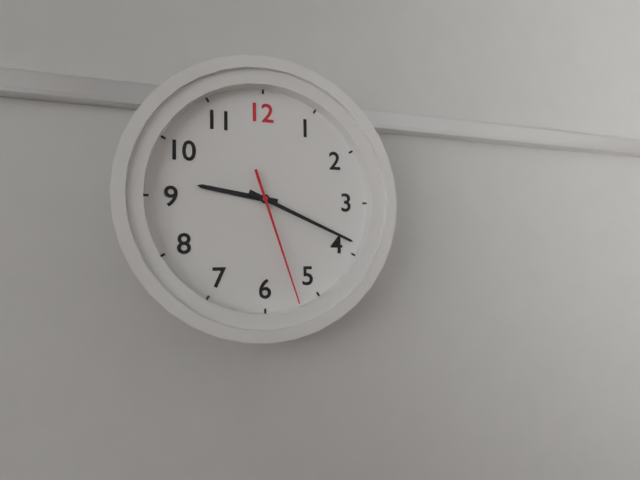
9:19:27
